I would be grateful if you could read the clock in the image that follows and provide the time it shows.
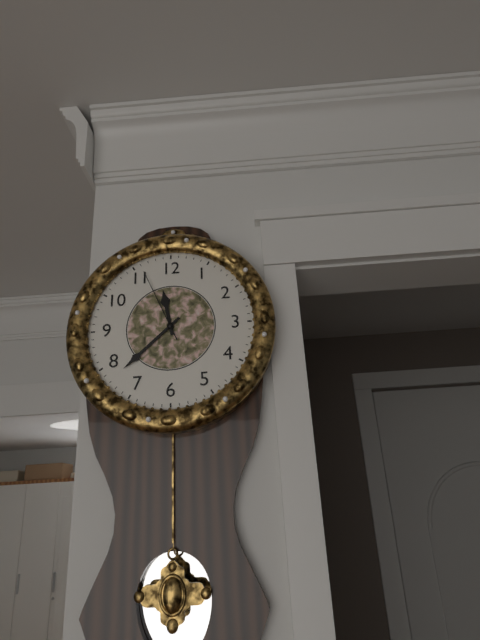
11:38:56
